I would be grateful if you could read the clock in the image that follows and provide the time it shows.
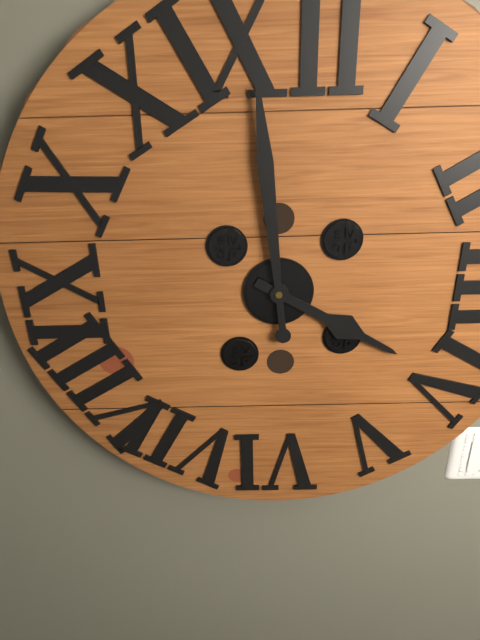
3:59
